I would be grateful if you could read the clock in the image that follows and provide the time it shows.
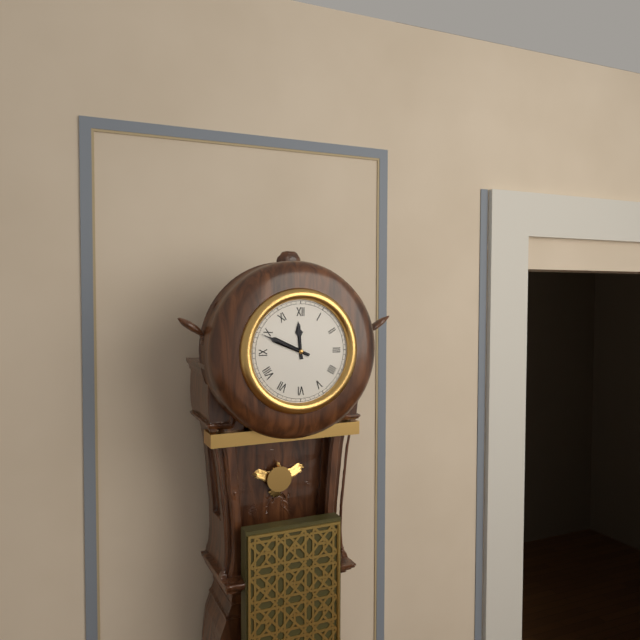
11:49
